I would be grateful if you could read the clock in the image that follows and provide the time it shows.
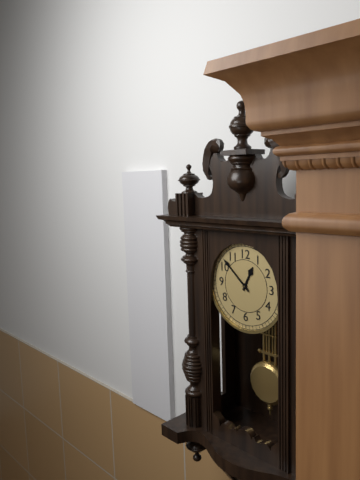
12:52
